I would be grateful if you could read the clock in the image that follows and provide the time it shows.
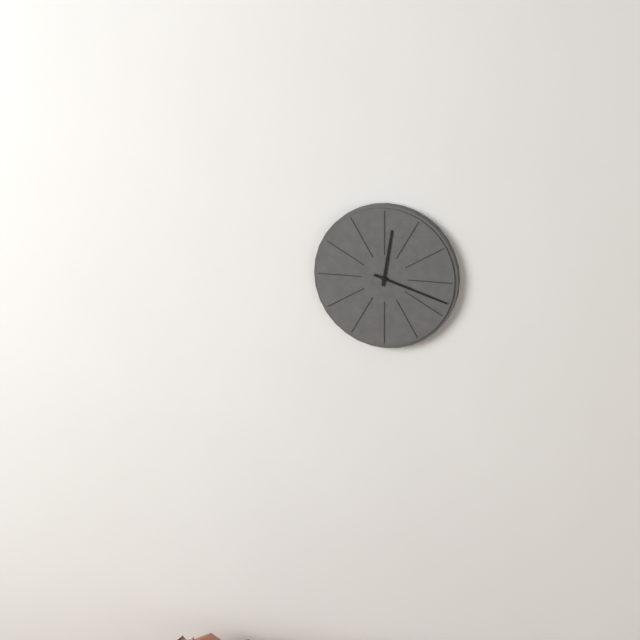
12:18
